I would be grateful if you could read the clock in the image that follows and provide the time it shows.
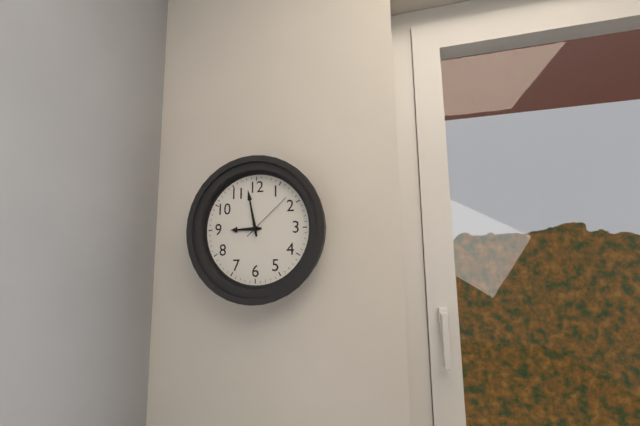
8:58:08
